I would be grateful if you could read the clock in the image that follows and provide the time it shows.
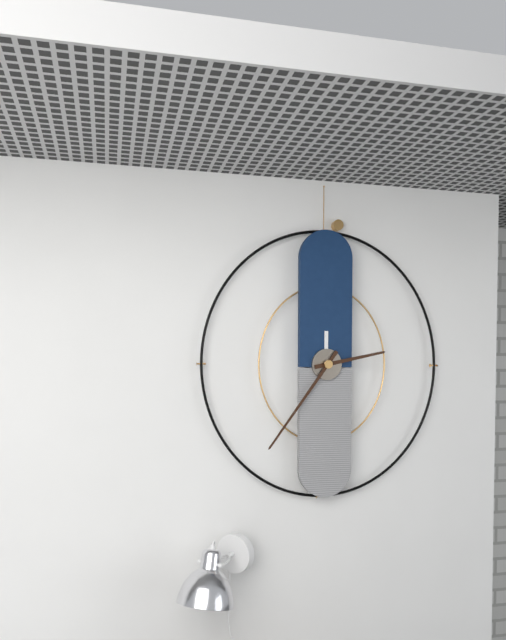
2:36
